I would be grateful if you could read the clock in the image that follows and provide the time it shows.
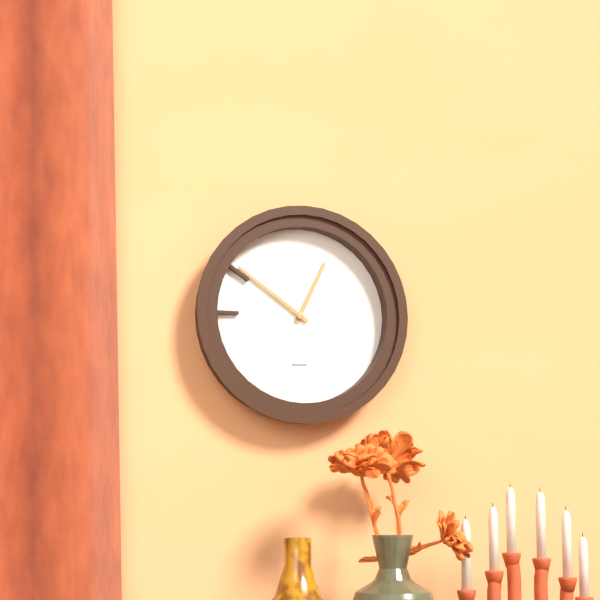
12:51
